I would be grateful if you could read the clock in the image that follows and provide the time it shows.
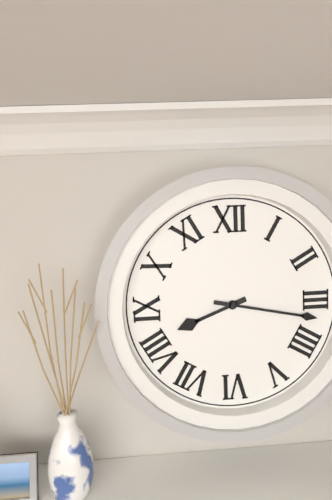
8:17
